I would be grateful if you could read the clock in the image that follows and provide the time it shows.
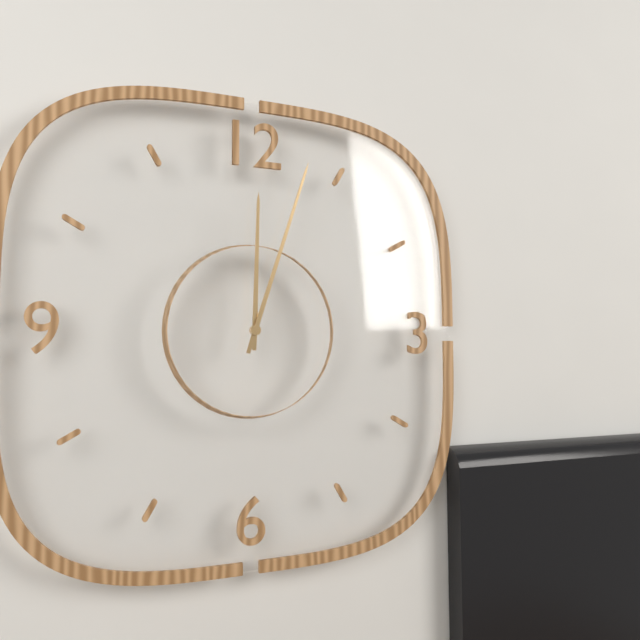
12:03
